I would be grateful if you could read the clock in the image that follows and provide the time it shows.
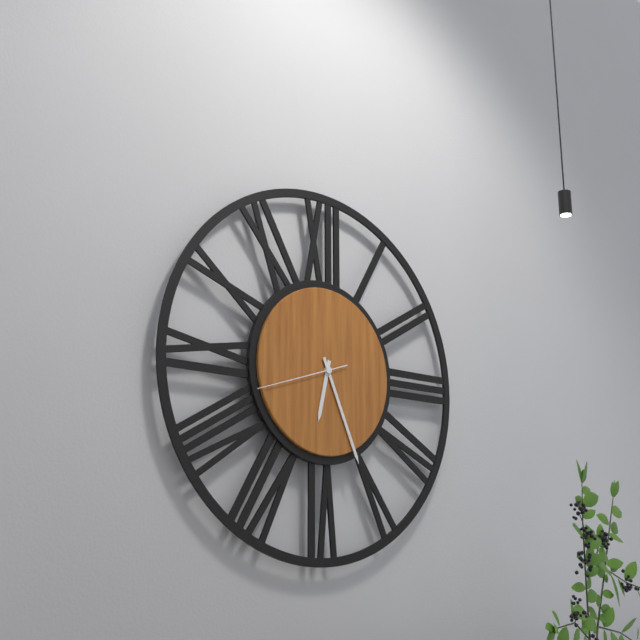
6:26:42
